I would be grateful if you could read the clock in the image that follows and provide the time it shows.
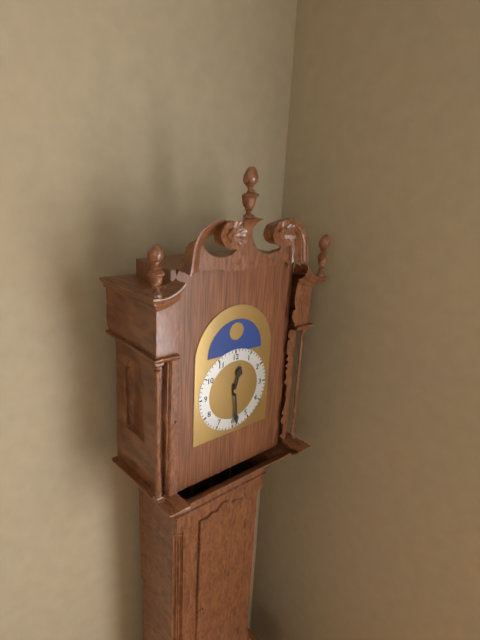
12:29
